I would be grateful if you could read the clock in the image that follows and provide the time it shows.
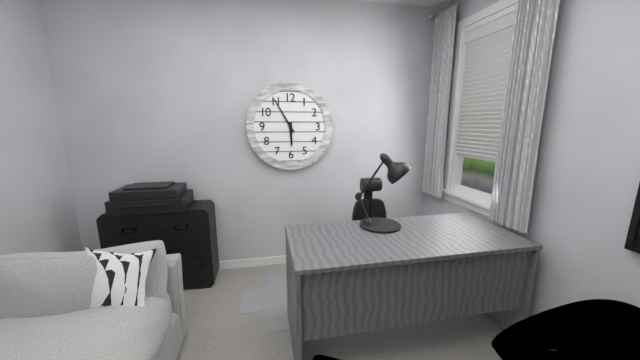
5:55
